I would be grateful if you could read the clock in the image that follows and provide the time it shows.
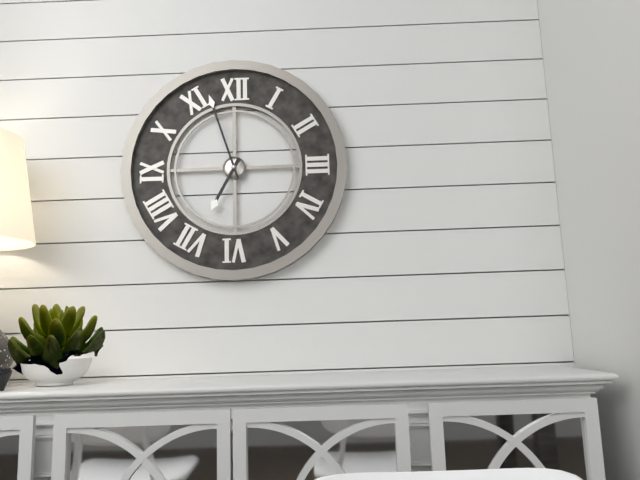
6:57
